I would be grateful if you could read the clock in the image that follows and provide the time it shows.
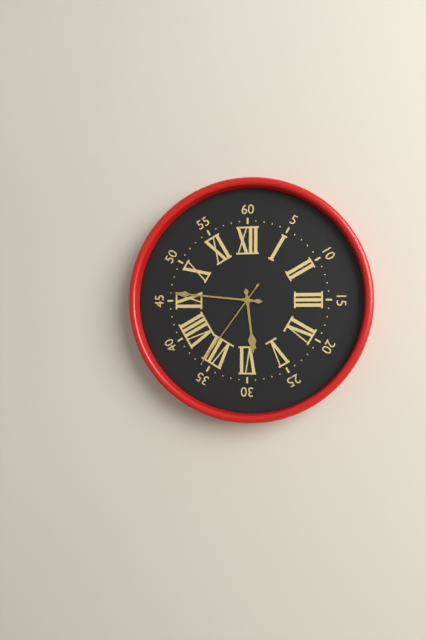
5:46:36
